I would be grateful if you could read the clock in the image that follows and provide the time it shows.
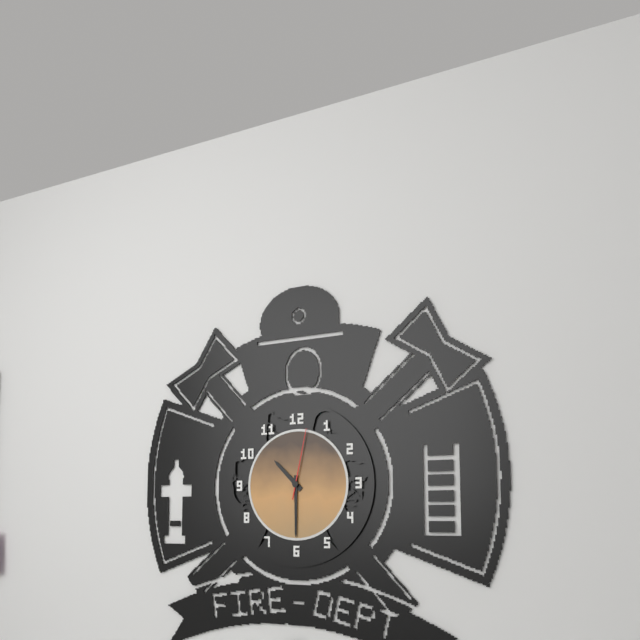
10:30:02
